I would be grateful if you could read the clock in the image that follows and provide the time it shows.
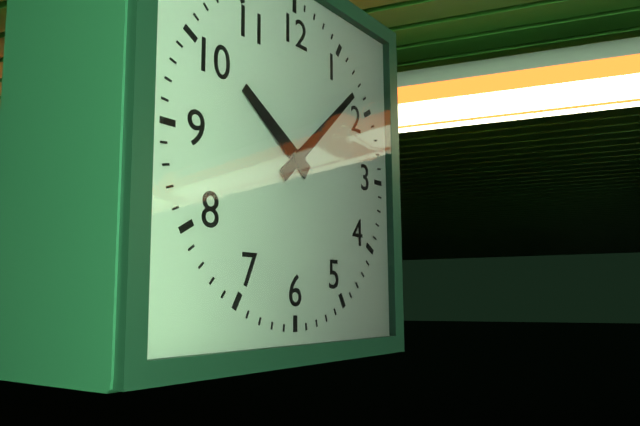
10:08
